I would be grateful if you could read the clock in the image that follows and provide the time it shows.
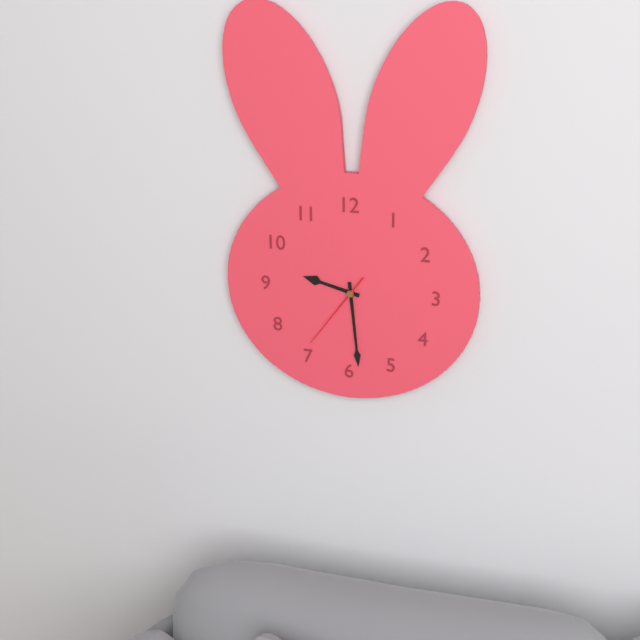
9:29:36
